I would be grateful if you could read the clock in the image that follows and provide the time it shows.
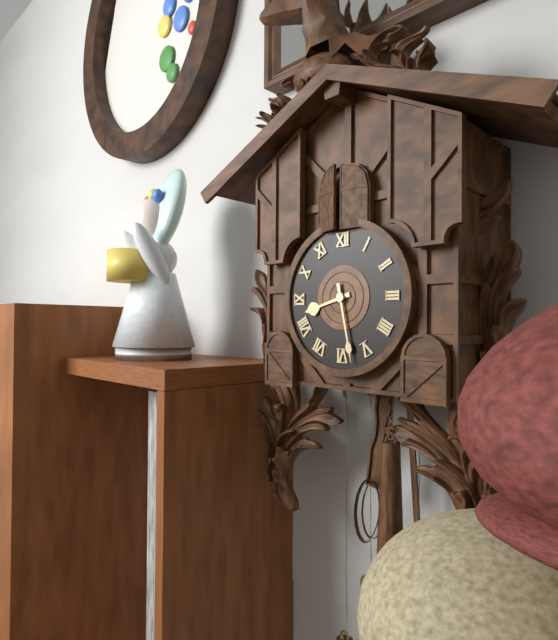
8:28
